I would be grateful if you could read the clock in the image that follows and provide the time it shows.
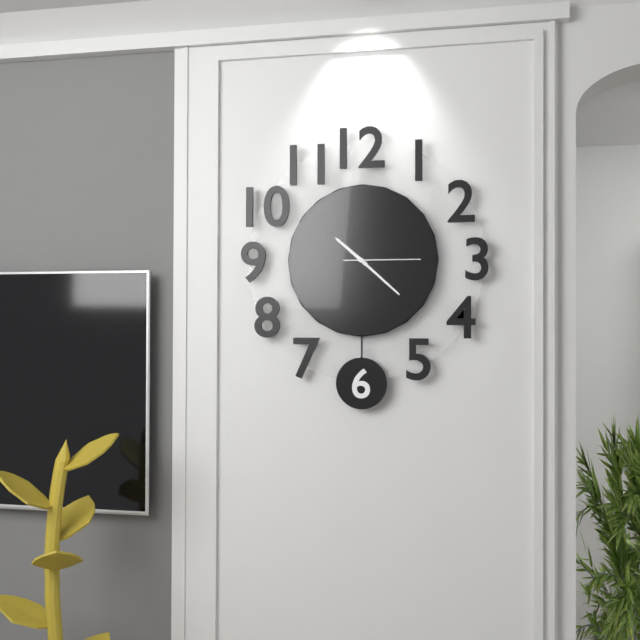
10:22:15
